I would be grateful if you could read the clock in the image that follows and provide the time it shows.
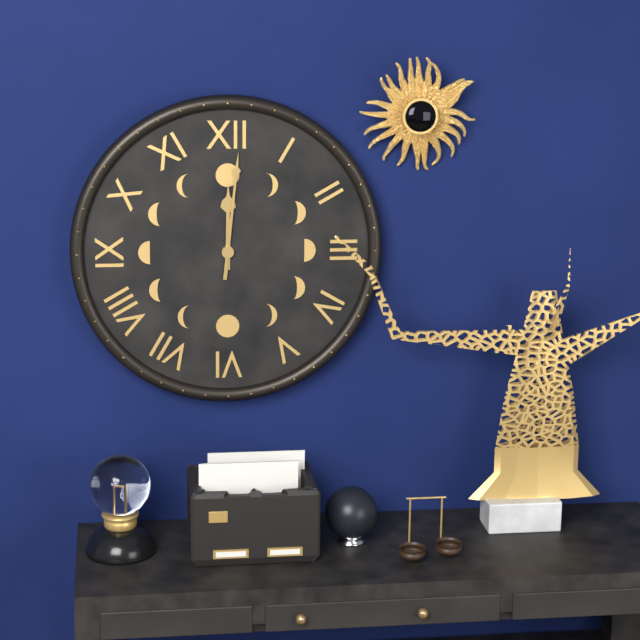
12:01
